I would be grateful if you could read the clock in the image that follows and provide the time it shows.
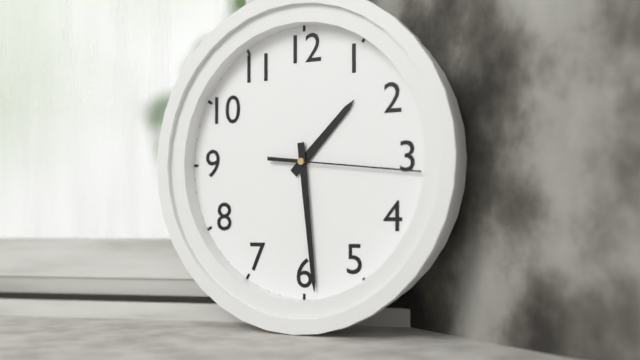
1:29:16
